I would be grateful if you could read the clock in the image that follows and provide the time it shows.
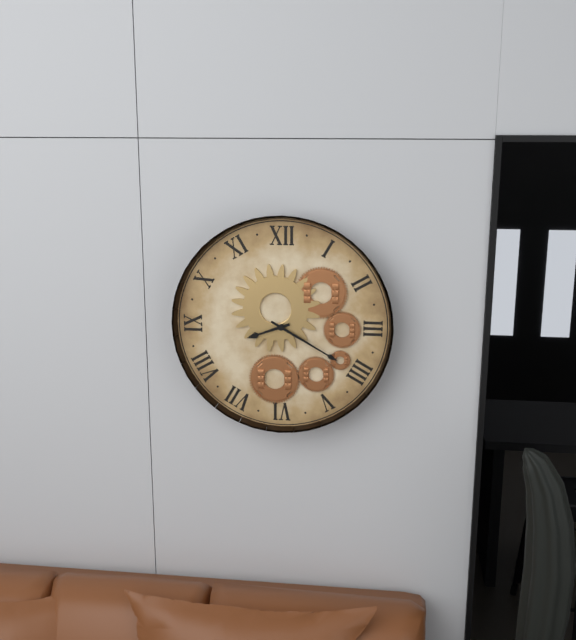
8:20
